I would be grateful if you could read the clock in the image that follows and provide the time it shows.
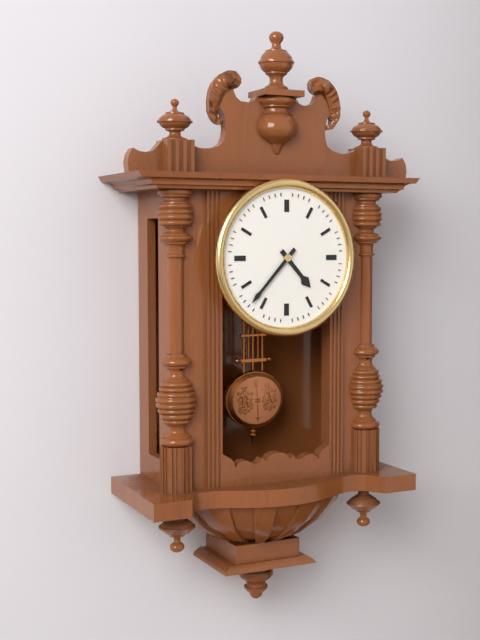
4:37
